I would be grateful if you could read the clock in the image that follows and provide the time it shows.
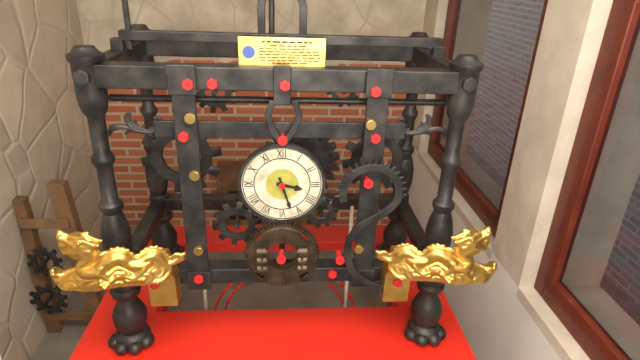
3:27
